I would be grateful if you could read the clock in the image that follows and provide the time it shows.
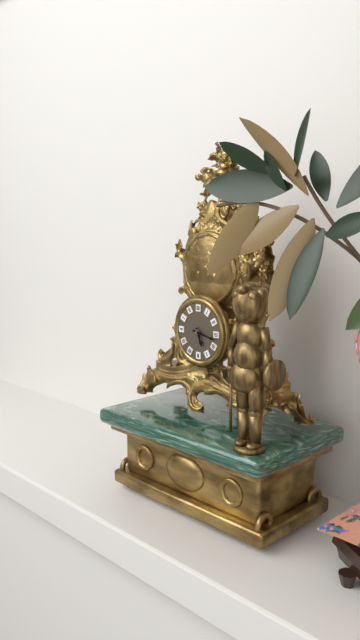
5:17
